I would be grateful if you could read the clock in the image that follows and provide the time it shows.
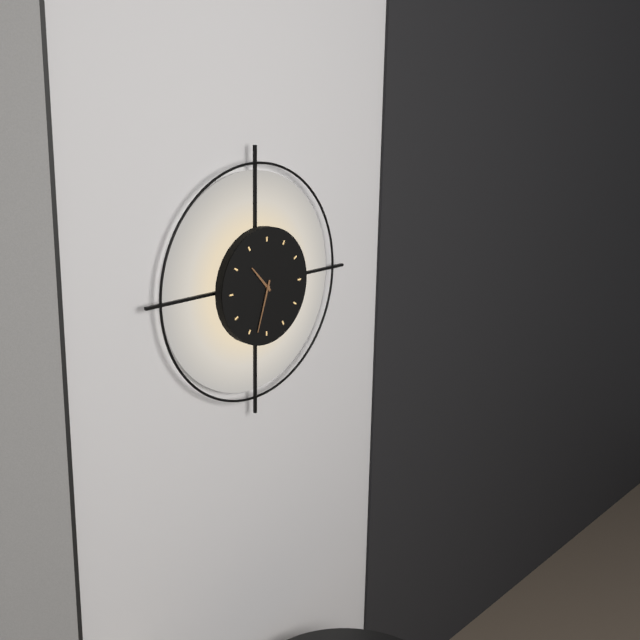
10:33
